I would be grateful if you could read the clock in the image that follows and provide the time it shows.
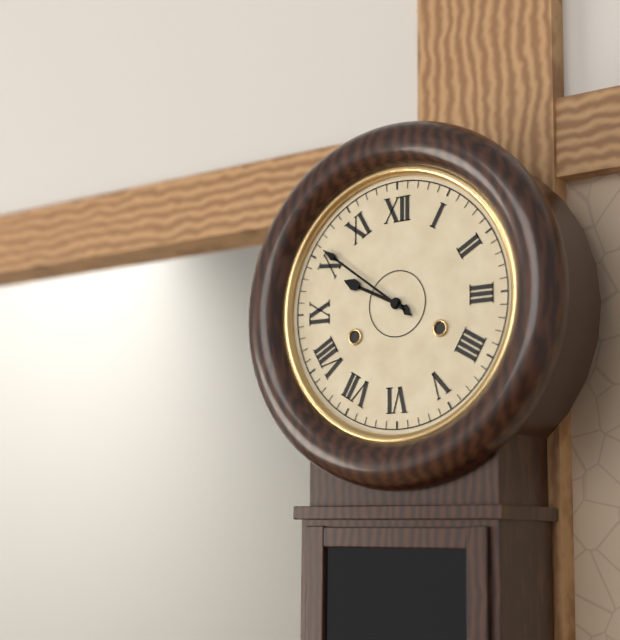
9:51
